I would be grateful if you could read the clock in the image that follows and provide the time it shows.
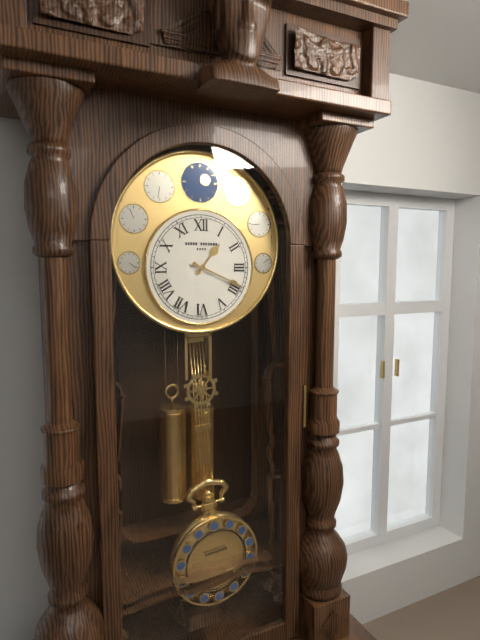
1:19
